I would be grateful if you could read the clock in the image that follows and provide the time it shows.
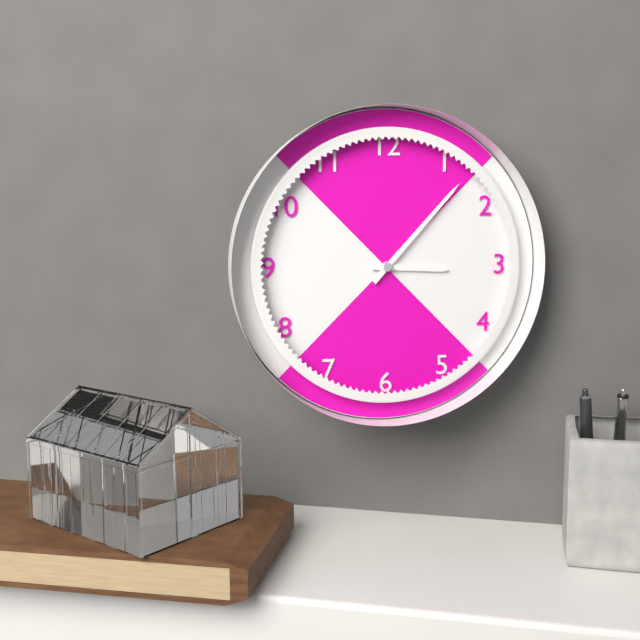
3:07
